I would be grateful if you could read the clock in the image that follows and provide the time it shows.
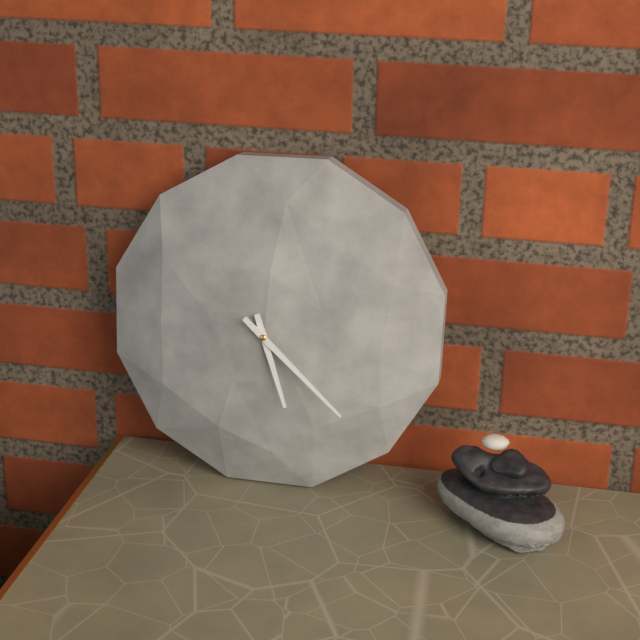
5:22
